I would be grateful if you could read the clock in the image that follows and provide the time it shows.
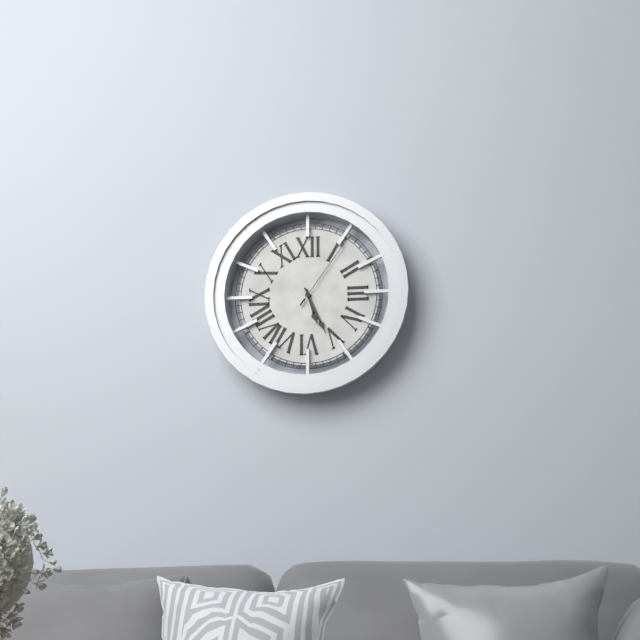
5:26:06
